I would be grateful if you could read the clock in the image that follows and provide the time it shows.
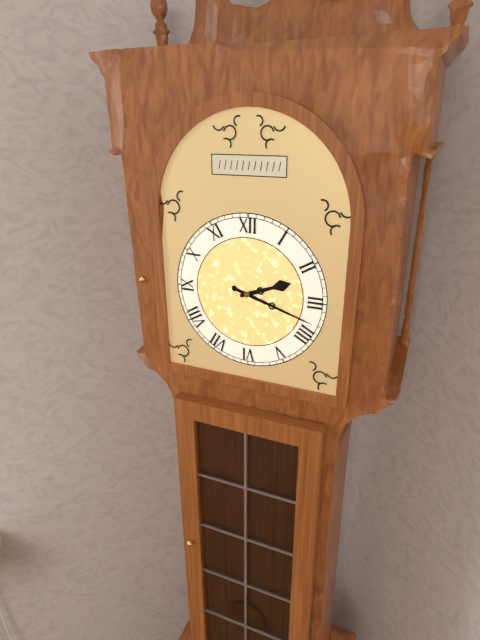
2:18
